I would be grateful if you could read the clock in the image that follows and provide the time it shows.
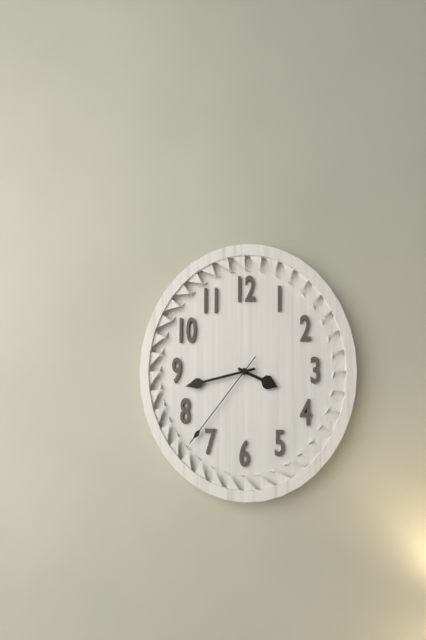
3:43:37
